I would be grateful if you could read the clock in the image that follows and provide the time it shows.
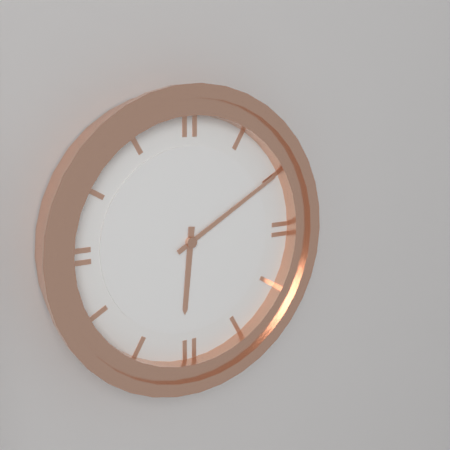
6:10
